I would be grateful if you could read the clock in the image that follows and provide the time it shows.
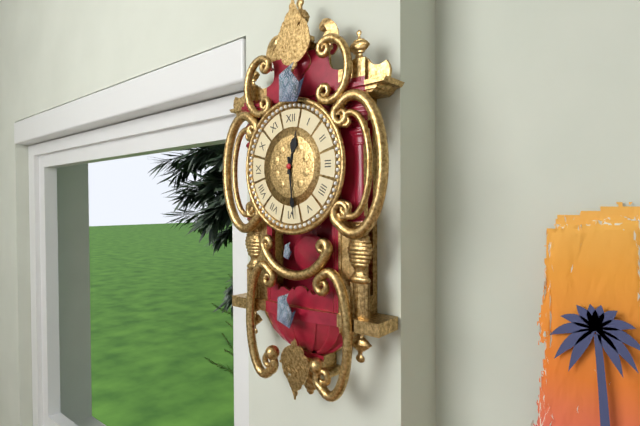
12:29
